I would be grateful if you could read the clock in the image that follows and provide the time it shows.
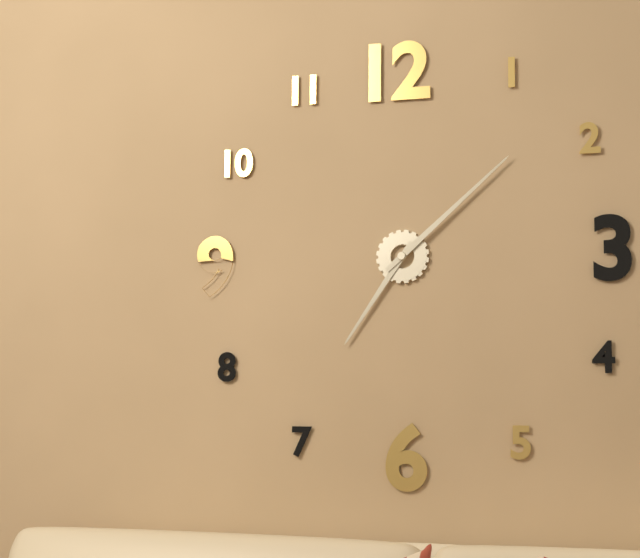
7:08
